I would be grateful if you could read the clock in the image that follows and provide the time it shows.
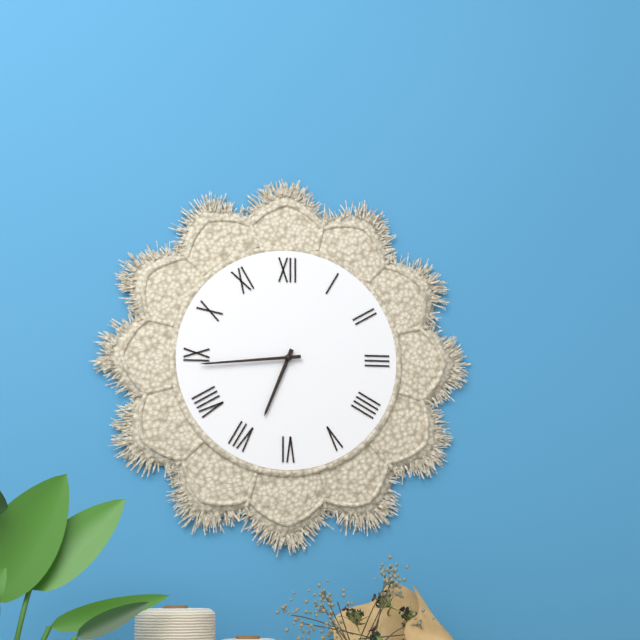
6:44
